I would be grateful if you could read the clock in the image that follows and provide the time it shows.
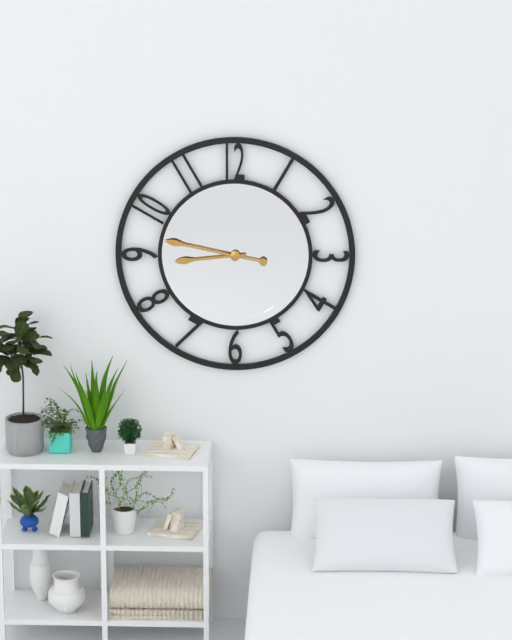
8:47
